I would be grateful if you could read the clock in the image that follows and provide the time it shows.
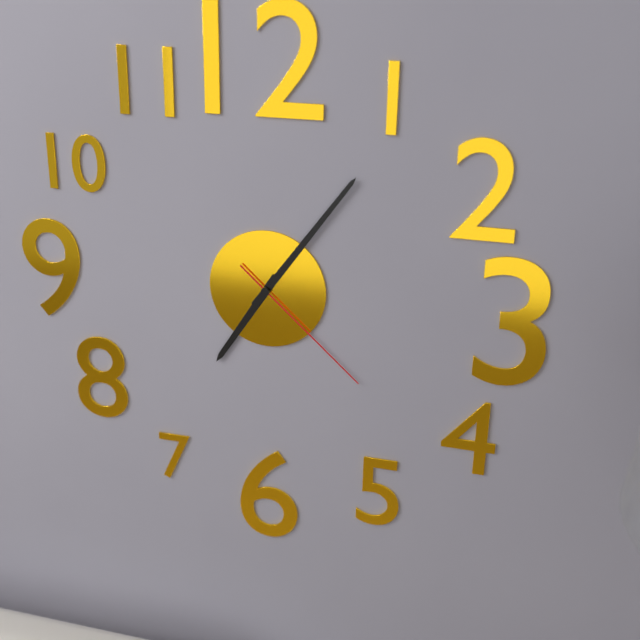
7:06:22
